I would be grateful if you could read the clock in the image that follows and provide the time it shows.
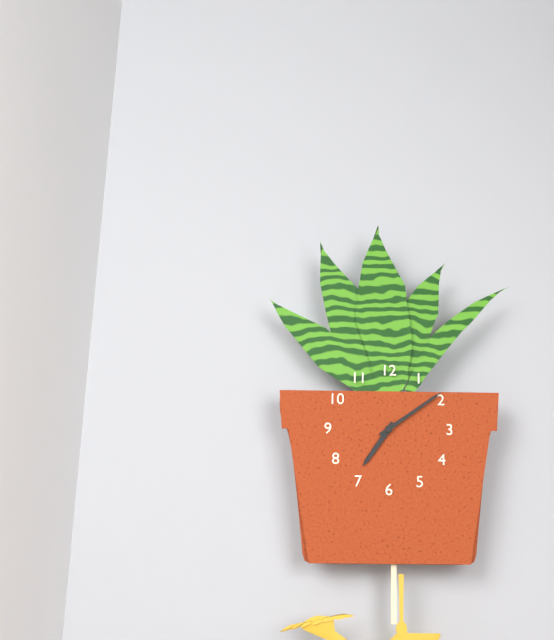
7:09
